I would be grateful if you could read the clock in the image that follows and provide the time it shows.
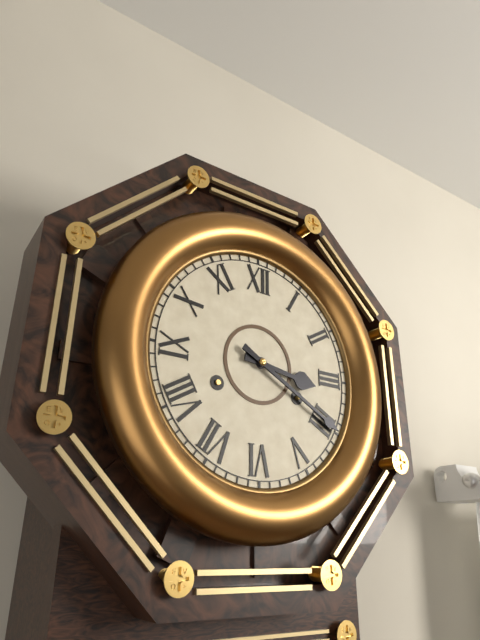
3:20
